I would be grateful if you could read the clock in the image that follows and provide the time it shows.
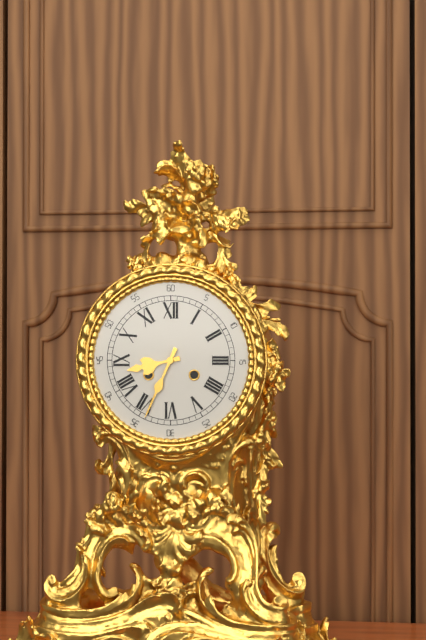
8:34
